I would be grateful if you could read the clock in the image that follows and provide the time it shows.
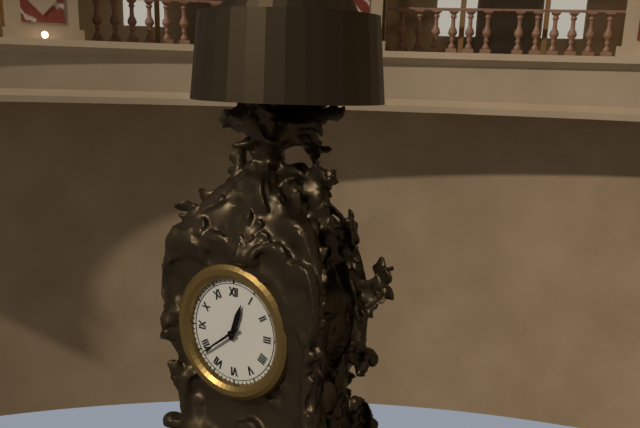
12:39
